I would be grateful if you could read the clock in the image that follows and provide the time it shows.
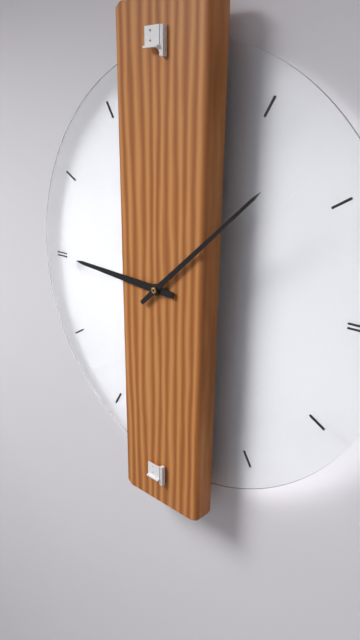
9:08
